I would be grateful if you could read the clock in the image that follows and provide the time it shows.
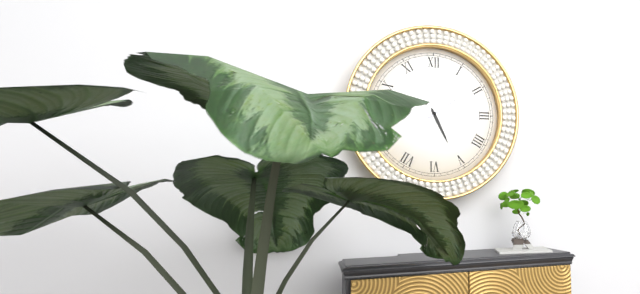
5:09
